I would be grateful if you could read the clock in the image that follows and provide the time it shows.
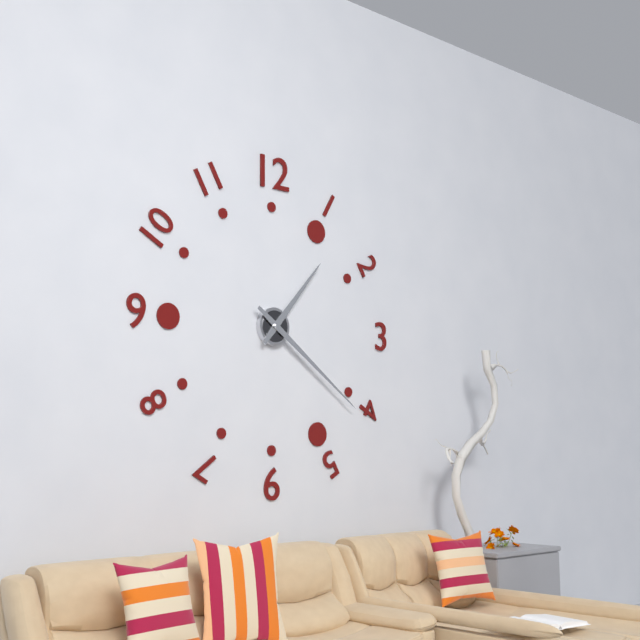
1:21
